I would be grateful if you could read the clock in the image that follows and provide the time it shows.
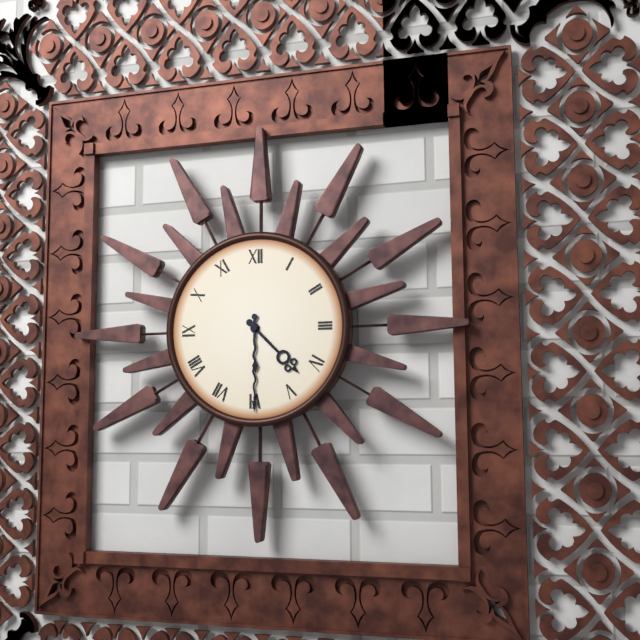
4:30
